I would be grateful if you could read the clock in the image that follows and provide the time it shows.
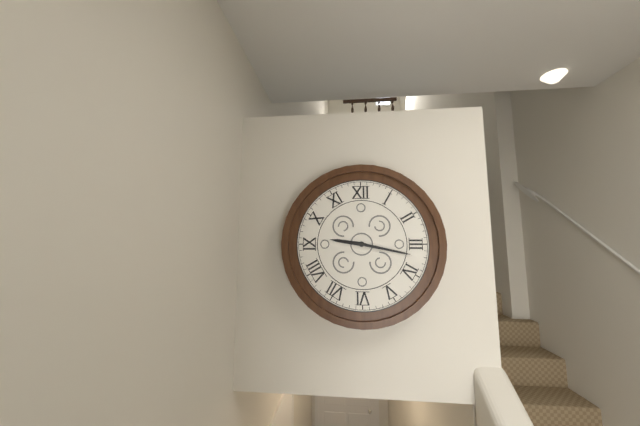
9:17
